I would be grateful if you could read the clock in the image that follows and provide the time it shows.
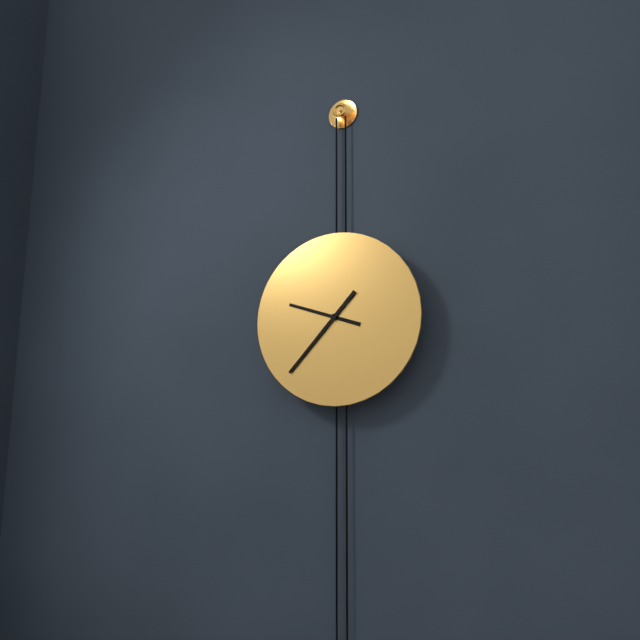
9:37
